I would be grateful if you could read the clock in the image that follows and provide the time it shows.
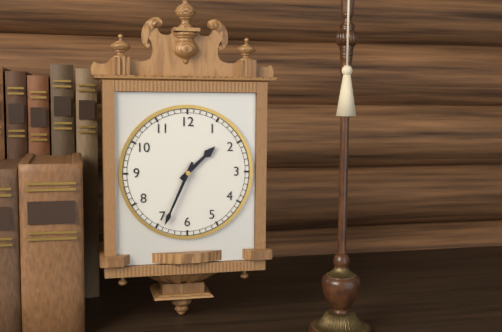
1:34
